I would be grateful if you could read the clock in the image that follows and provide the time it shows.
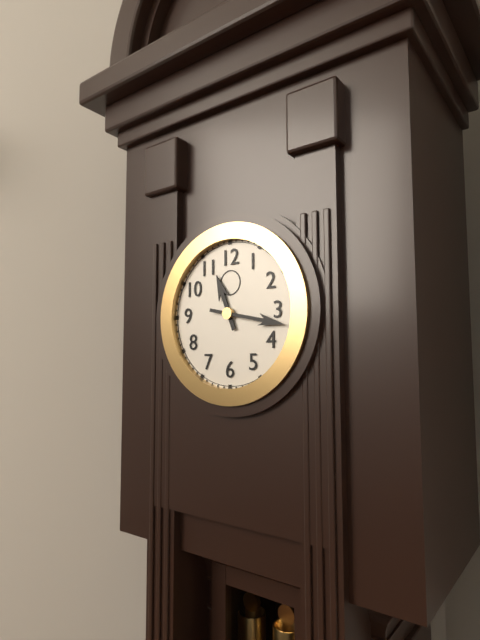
11:17
